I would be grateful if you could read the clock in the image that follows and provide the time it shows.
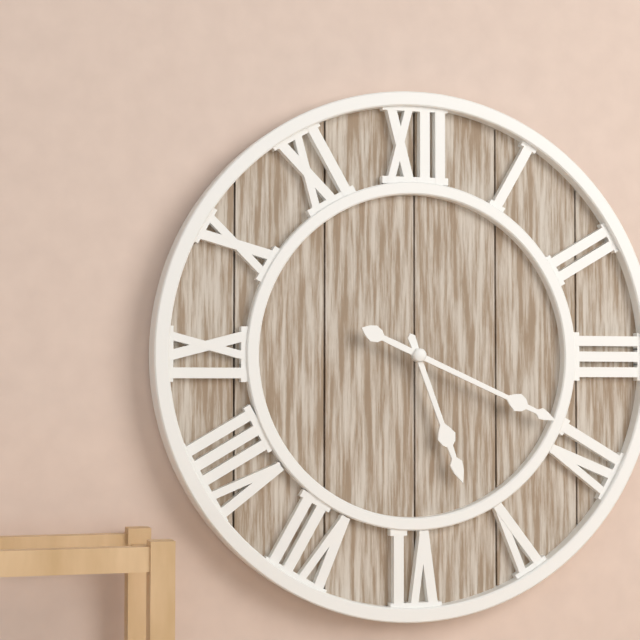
5:19
